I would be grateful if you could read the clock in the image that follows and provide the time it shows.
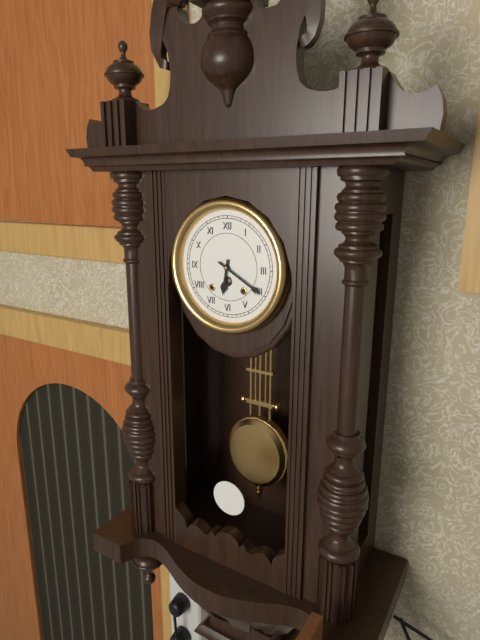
6:20
